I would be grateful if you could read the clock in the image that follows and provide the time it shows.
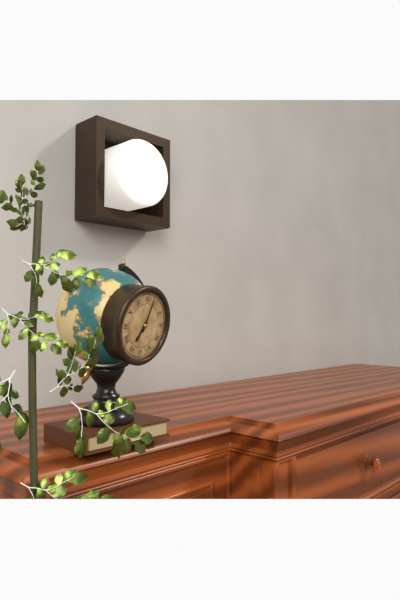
7:03
